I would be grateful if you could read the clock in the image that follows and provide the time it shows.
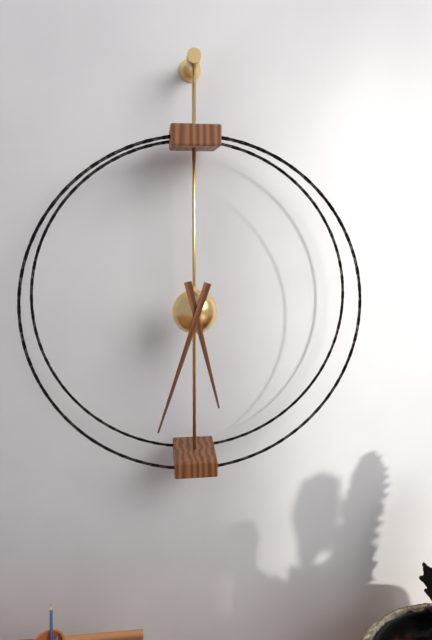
5:33
